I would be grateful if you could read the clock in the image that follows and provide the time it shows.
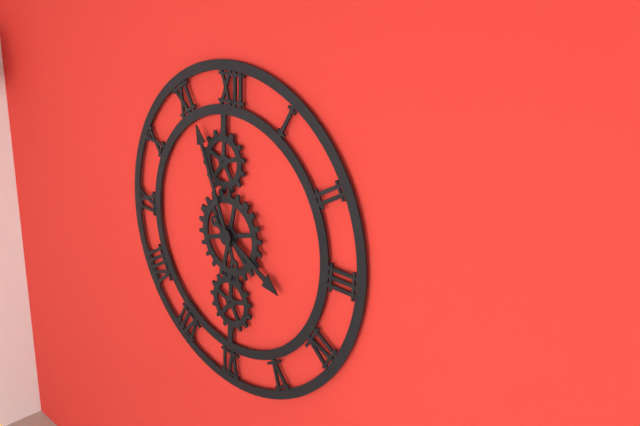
3:56
